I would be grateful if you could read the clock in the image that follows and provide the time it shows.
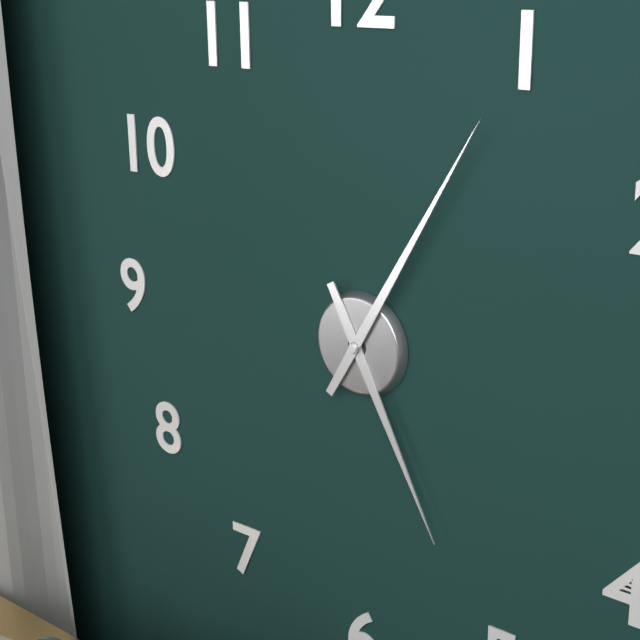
5:05
